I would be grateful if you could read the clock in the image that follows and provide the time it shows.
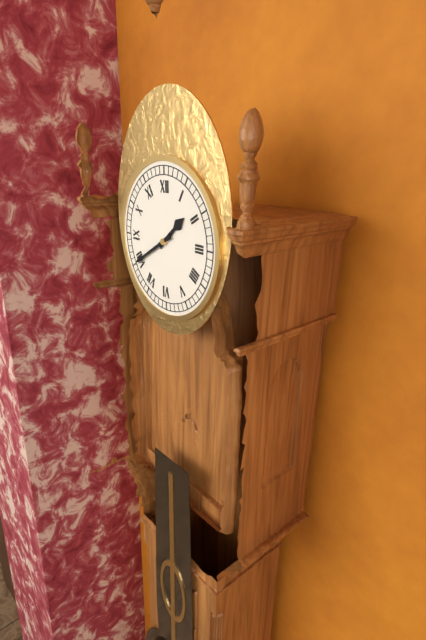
1:40
